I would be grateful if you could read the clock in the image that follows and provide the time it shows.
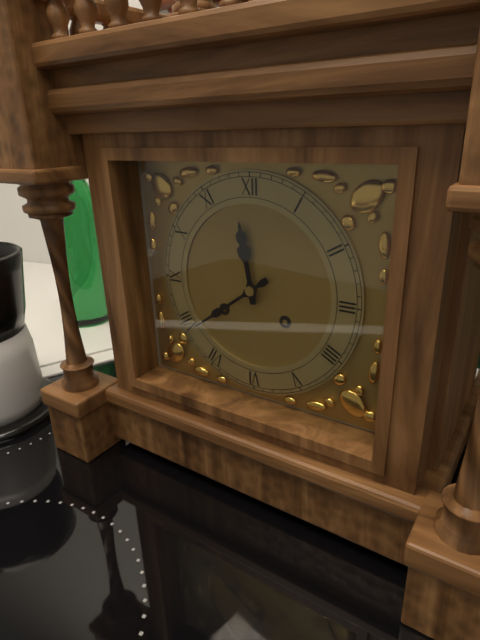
11:39
